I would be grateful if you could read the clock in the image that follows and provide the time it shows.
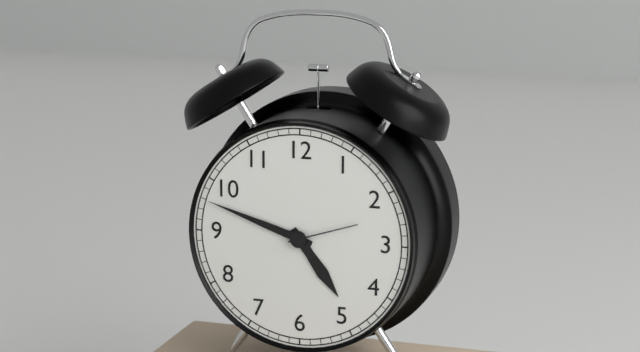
4:48:12
